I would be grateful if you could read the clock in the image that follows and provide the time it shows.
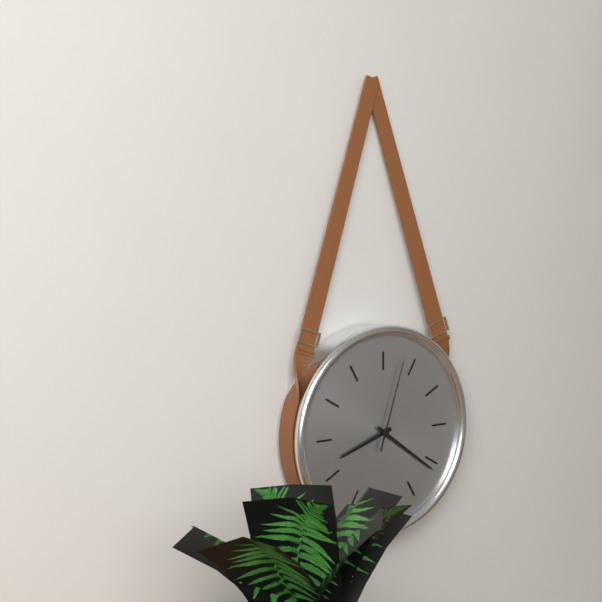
8:21:03
